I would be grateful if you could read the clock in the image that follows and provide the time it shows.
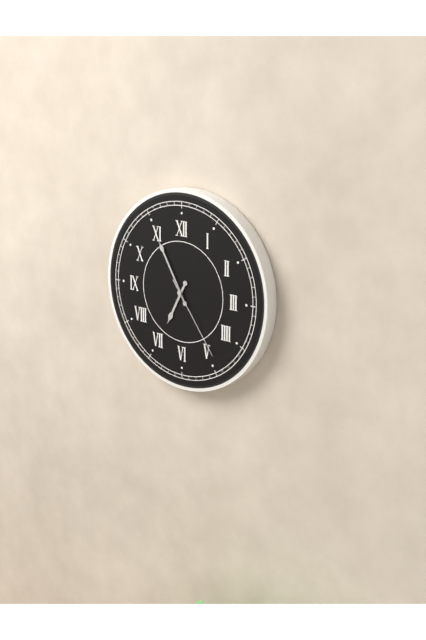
6:55:24
